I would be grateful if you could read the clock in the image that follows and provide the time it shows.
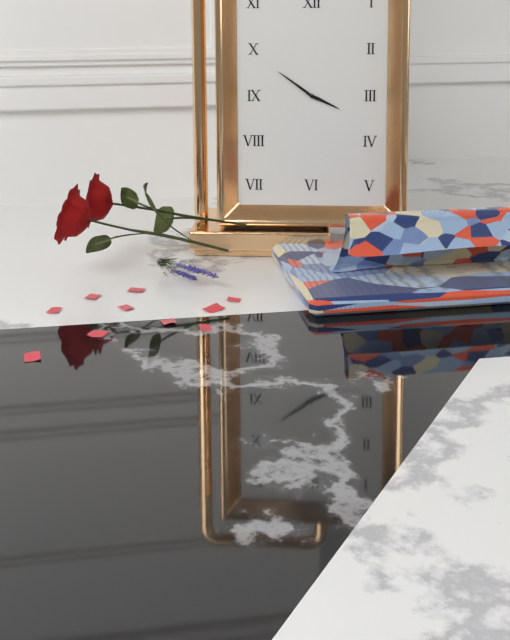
3:51
